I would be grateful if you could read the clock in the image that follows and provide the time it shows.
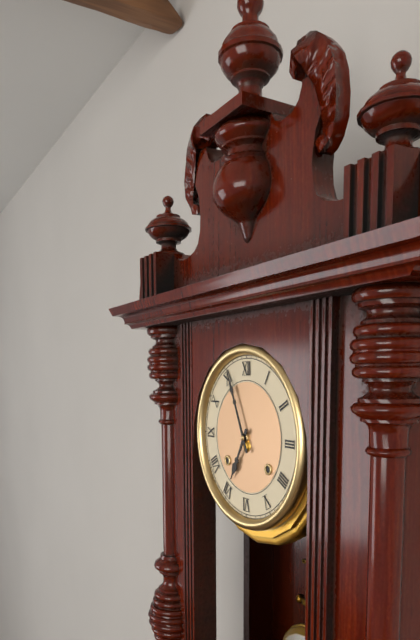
6:56
